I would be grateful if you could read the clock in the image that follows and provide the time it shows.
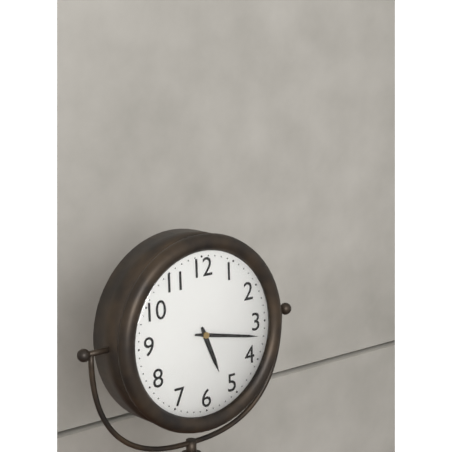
5:17
